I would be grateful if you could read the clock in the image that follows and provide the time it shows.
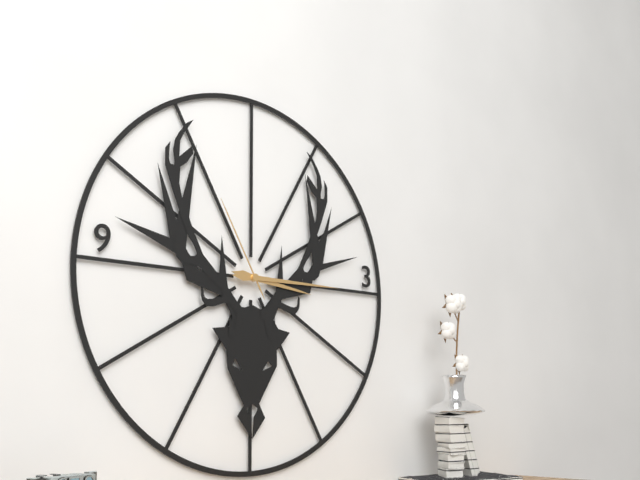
3:15:55
